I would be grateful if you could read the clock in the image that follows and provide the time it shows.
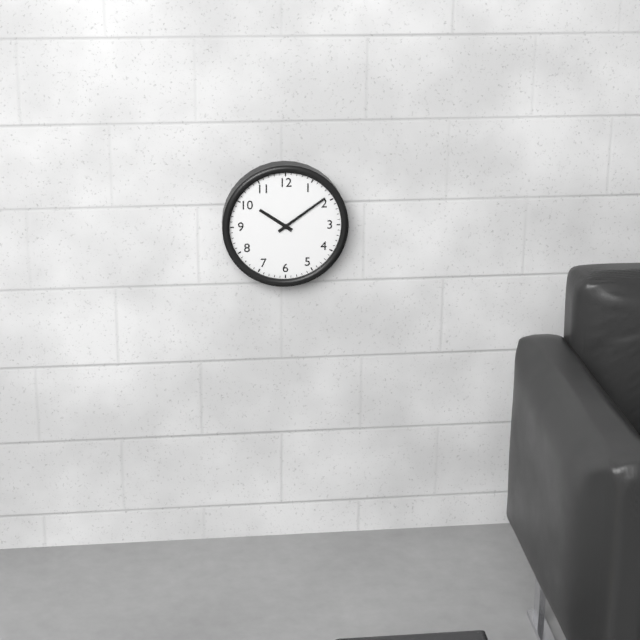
10:09
